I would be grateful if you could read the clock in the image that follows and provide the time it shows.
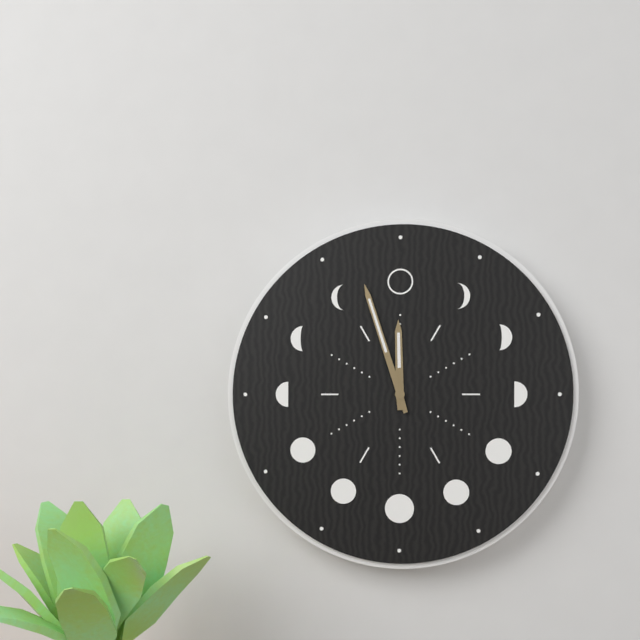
11:57
